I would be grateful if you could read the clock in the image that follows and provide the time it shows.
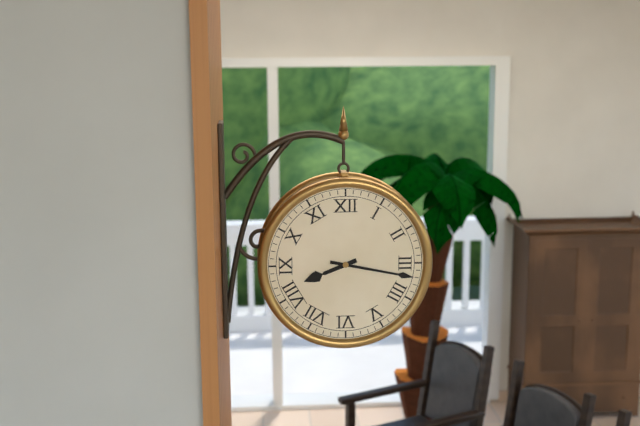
8:17
